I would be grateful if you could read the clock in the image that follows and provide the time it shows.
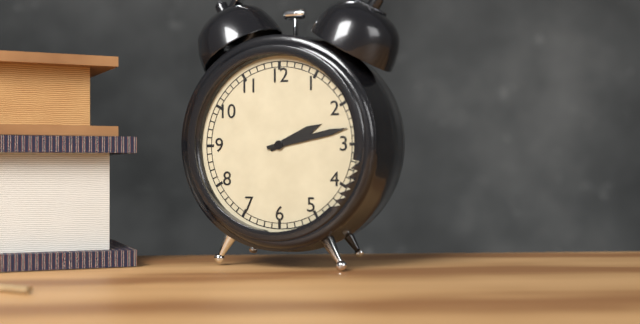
2:13
